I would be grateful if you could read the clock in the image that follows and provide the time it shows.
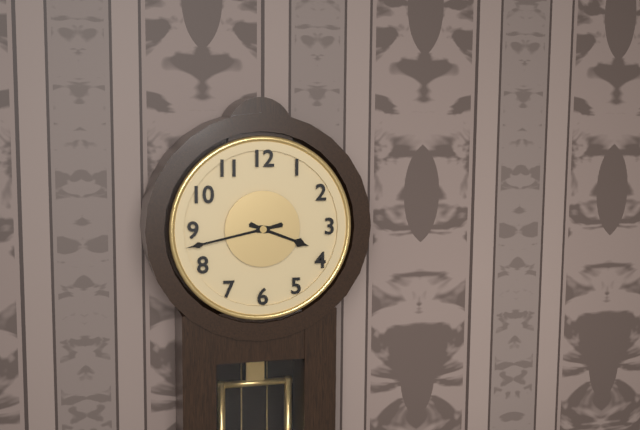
3:43
